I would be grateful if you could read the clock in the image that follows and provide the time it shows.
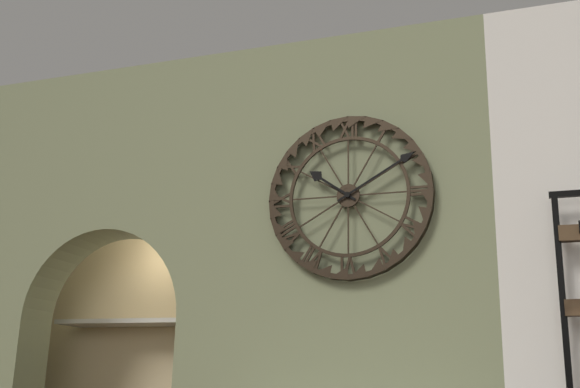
10:10
